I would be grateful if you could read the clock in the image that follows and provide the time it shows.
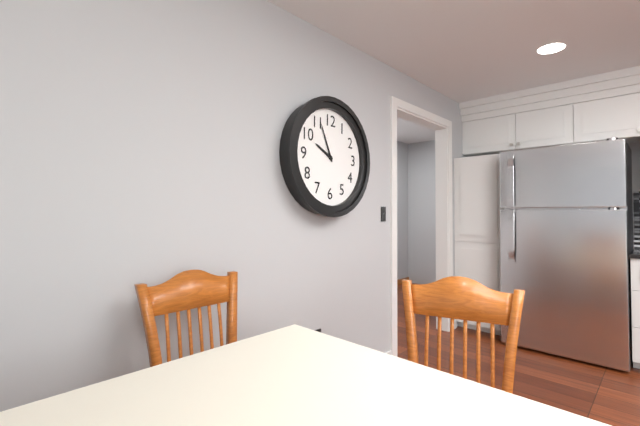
9:56
